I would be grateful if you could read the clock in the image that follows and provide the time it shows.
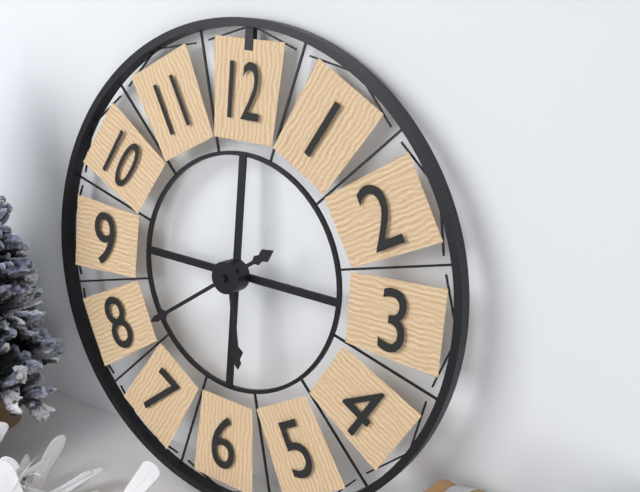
5:39
